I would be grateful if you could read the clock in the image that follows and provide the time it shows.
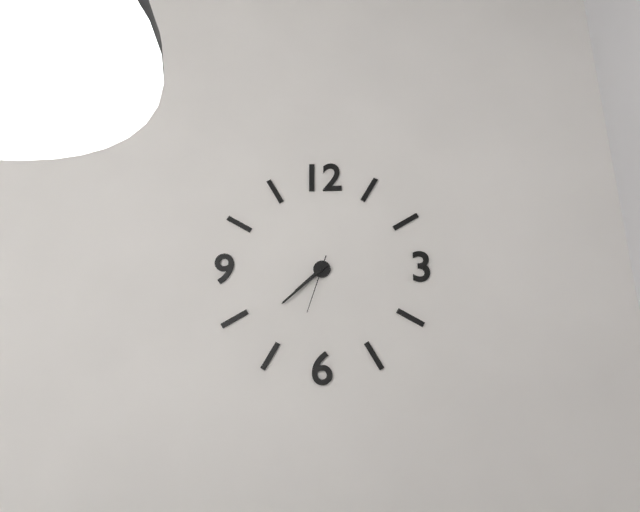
7:38:33
